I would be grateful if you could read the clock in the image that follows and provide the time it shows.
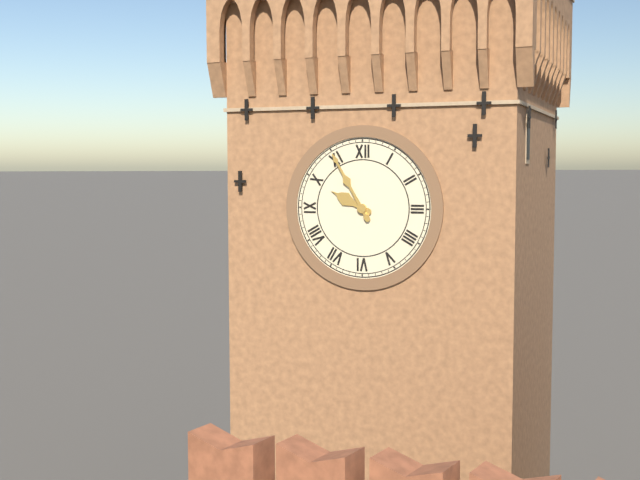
9:55
